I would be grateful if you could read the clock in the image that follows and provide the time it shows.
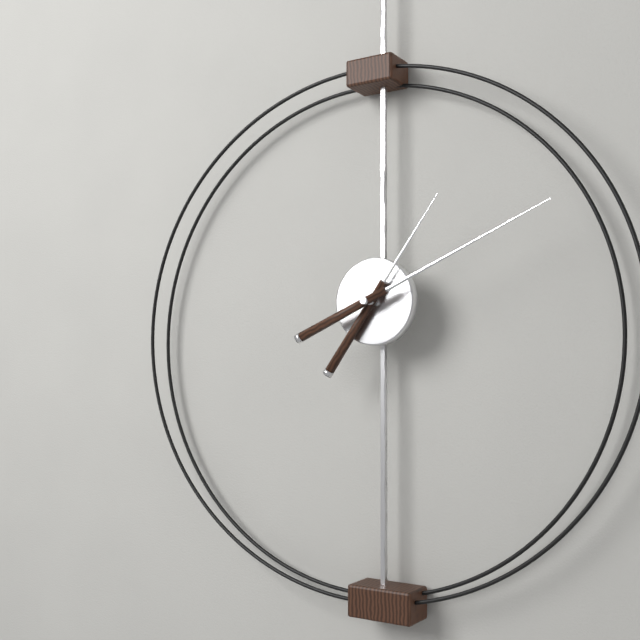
1:11
